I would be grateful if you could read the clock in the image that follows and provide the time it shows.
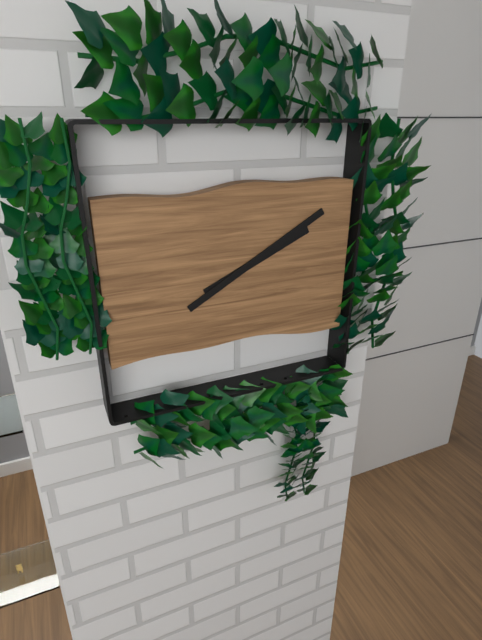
2:10
